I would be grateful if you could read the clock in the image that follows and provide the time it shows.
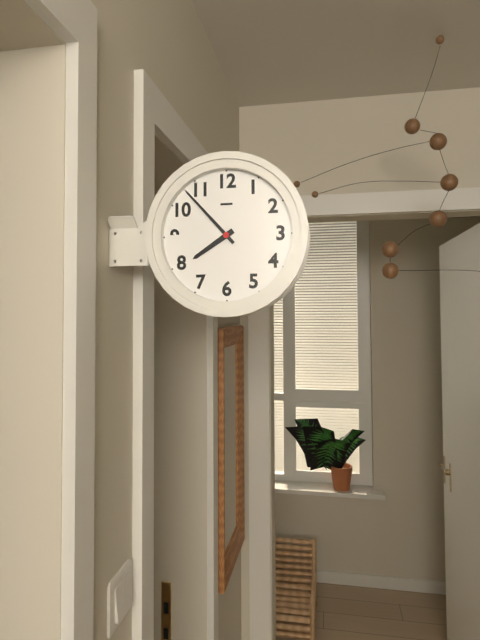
7:53
